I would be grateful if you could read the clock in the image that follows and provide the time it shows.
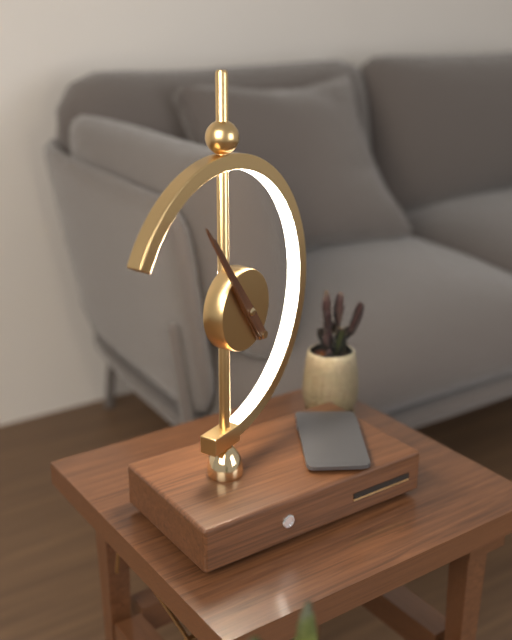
10:54
